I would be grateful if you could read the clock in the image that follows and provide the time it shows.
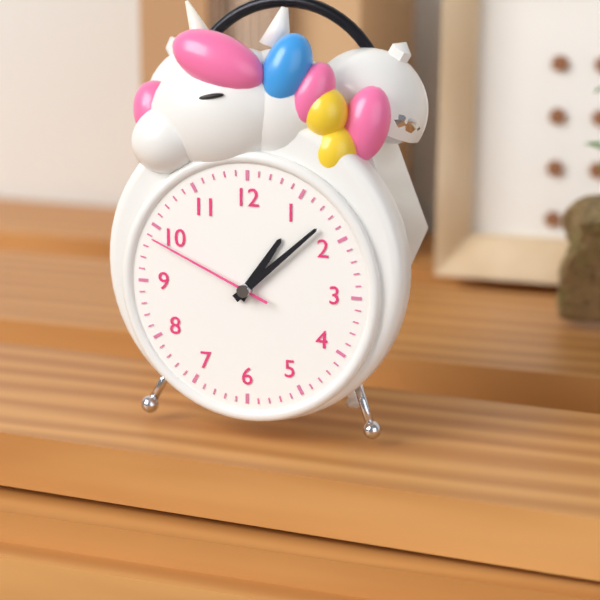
1:08:49
